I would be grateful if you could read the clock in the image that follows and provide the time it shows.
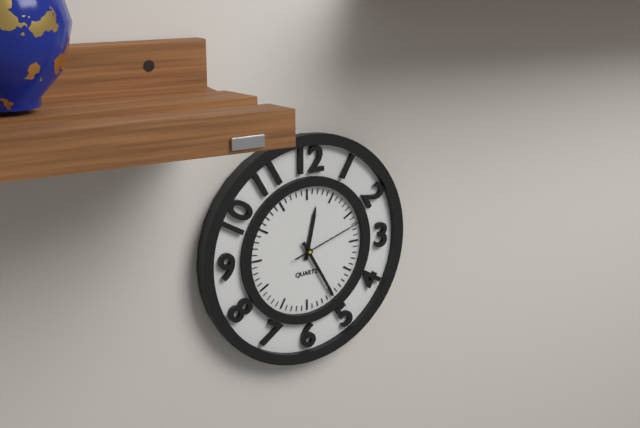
12:25:12
